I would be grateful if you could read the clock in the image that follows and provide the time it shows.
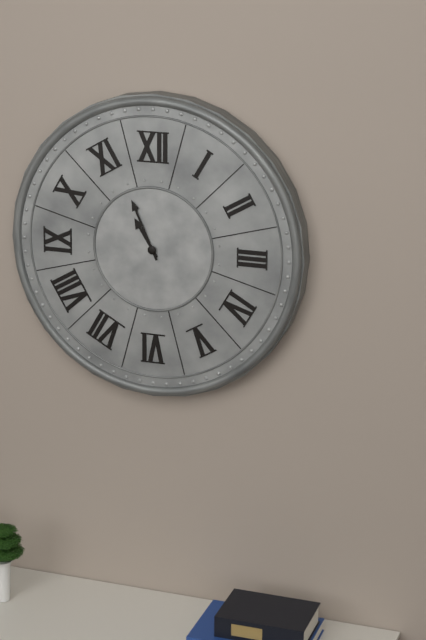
10:56
